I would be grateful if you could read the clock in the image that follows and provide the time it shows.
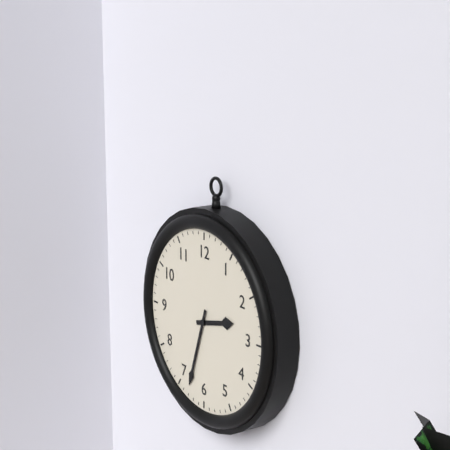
2:33
